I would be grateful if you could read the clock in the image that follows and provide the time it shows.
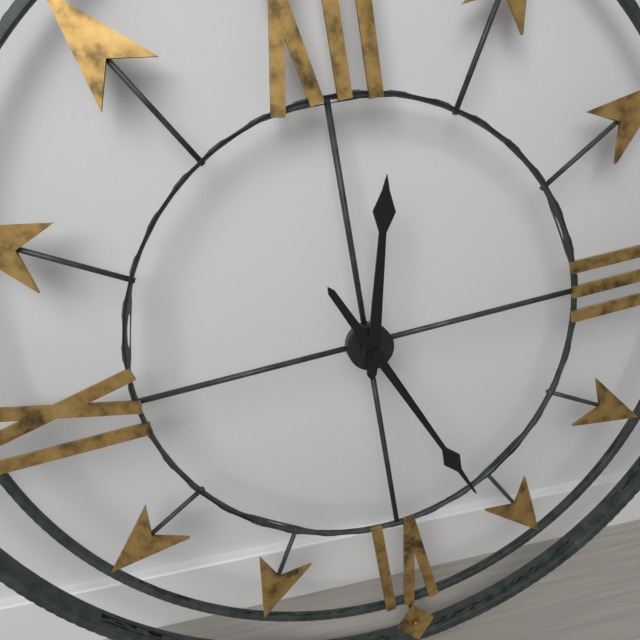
12:26
